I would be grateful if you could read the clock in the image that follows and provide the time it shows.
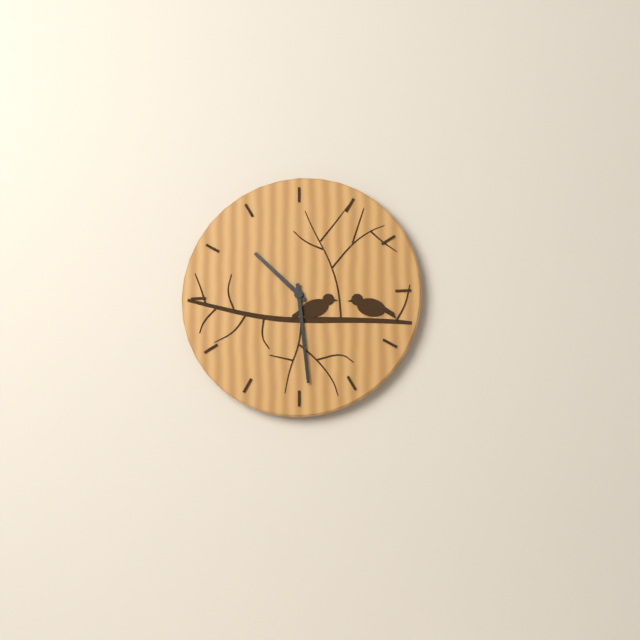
10:29
